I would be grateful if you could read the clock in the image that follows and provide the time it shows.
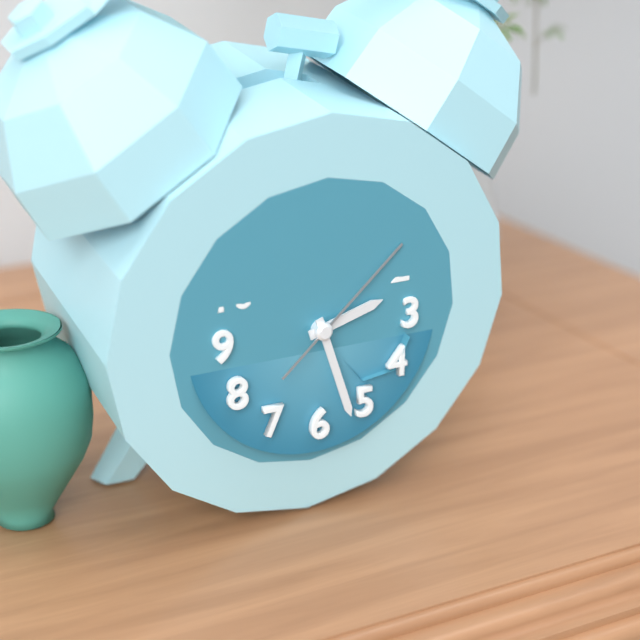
2:27:08
